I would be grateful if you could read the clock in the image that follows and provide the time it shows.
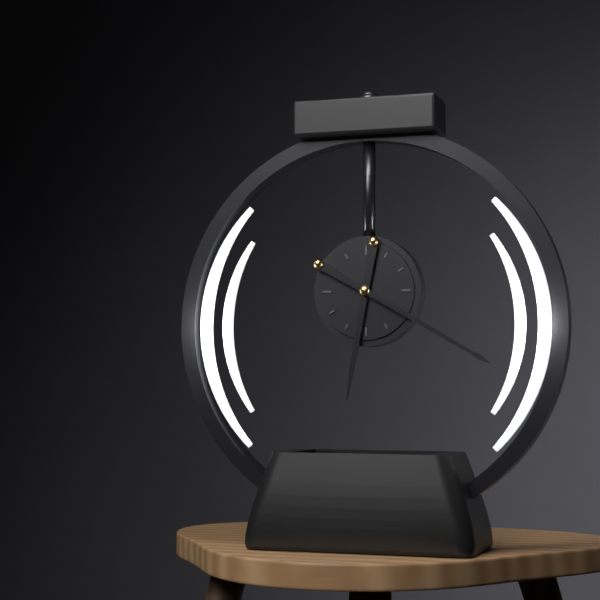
6:20
